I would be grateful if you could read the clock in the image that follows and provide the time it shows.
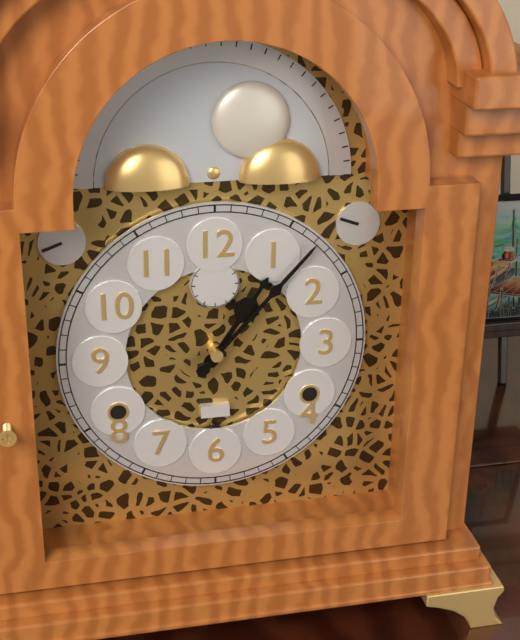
1:07
